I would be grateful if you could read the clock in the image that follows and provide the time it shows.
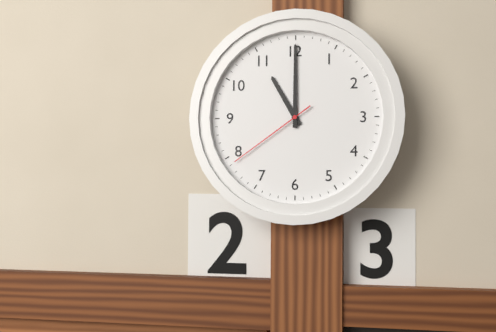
11:00:39
